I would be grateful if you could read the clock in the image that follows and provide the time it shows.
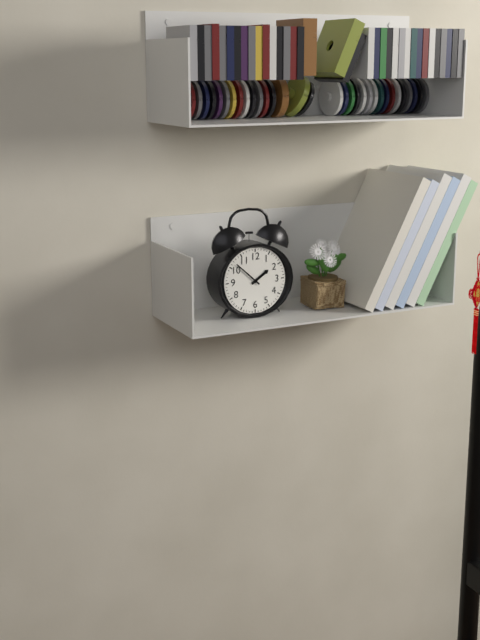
1:52
